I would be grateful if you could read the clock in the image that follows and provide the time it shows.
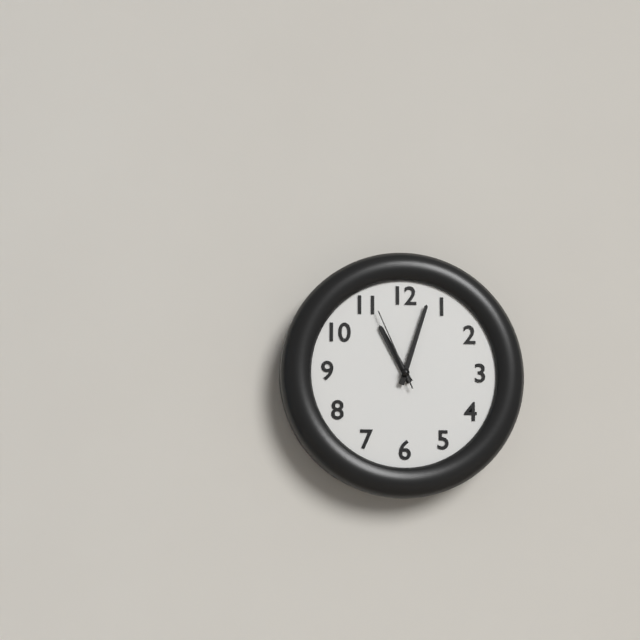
11:03:56
